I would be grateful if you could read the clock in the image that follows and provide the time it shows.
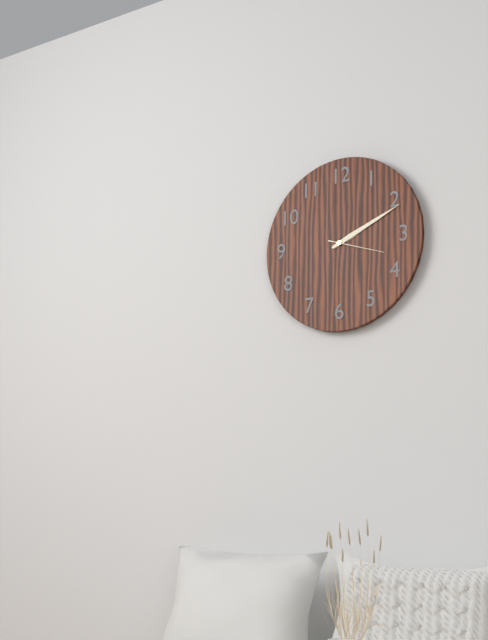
2:11:18
